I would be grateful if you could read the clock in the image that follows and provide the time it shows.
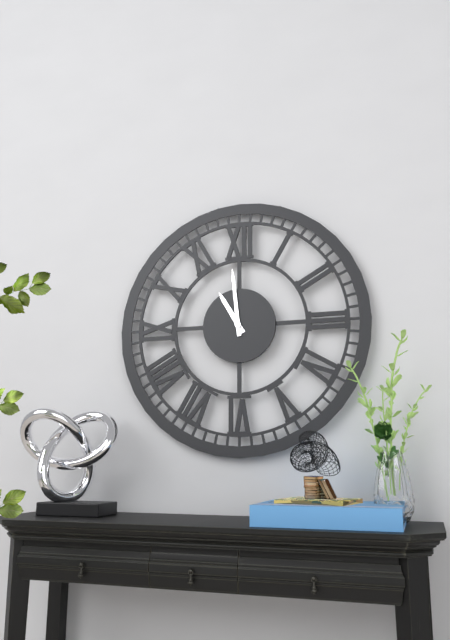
10:59
